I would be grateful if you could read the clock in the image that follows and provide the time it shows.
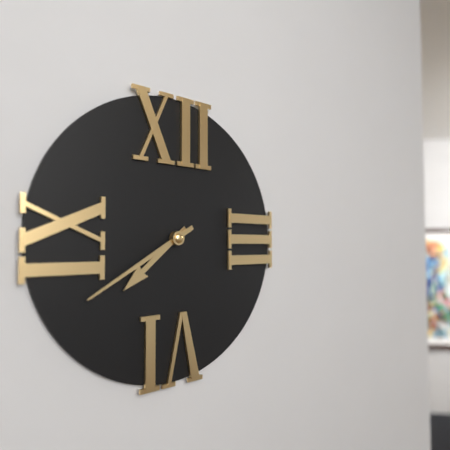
7:40
